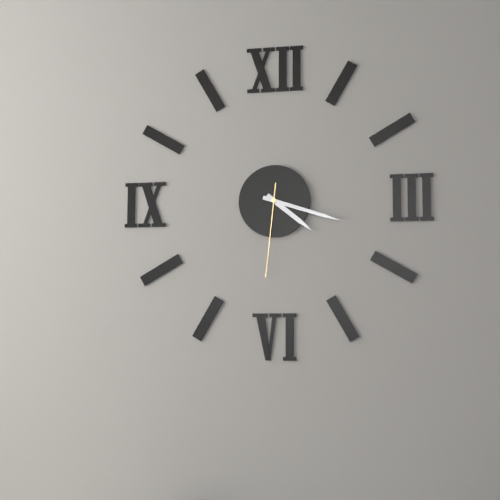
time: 4:18:31
